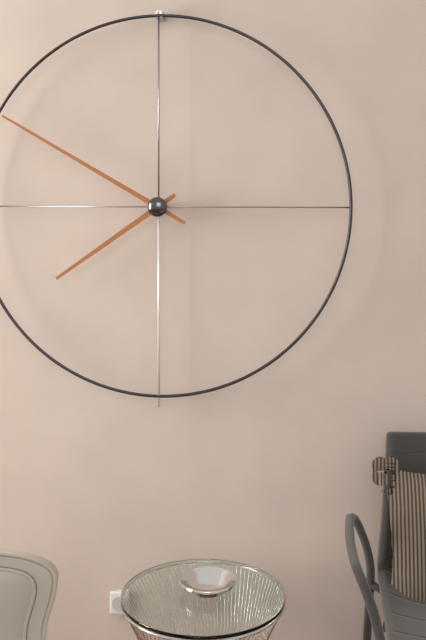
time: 7:50
